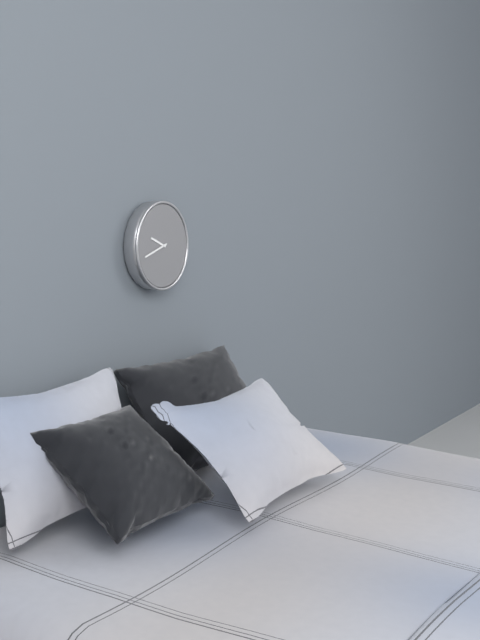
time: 9:42
